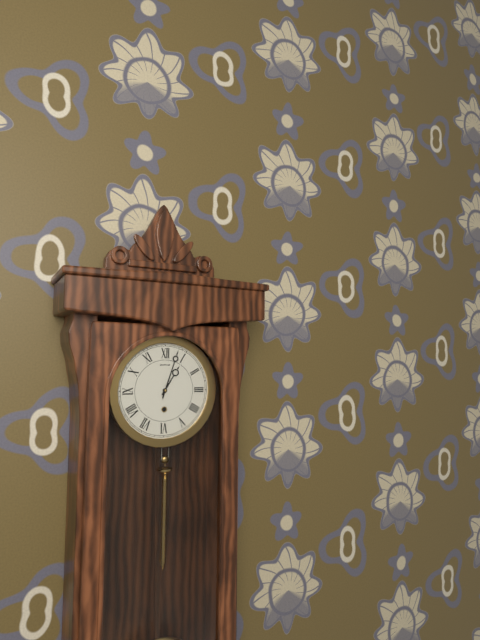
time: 1:03
